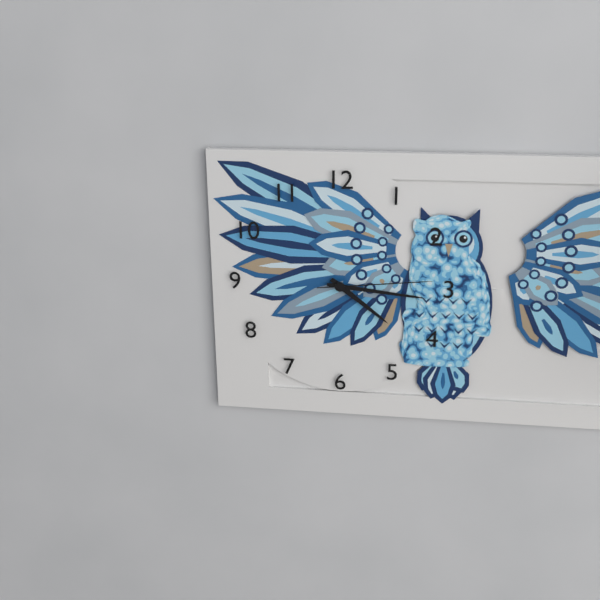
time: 4:16:14
